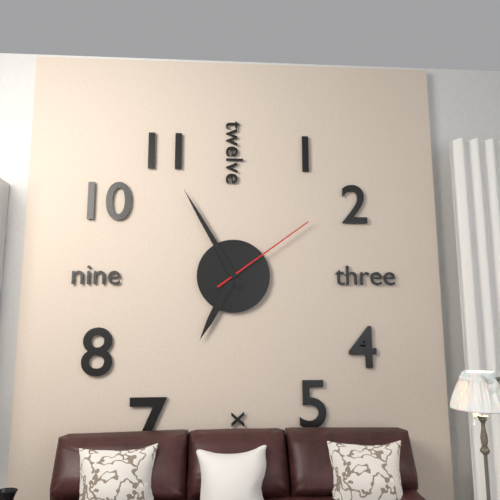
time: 6:55:09
